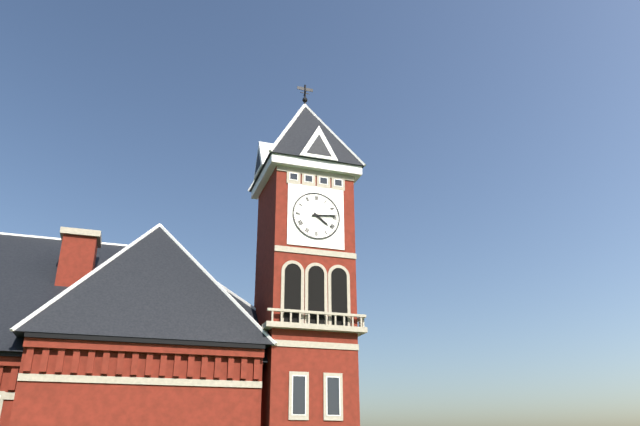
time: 4:14
